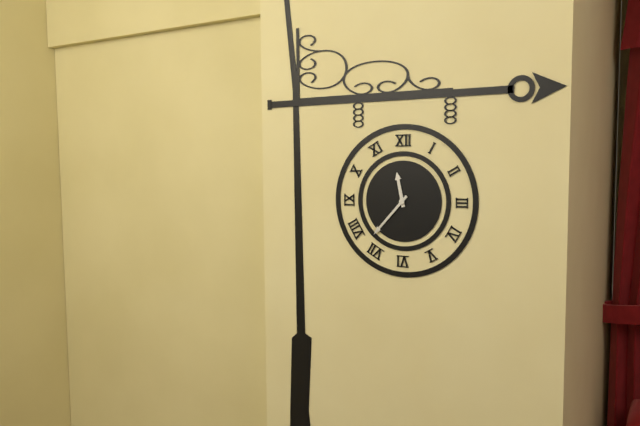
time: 11:37
